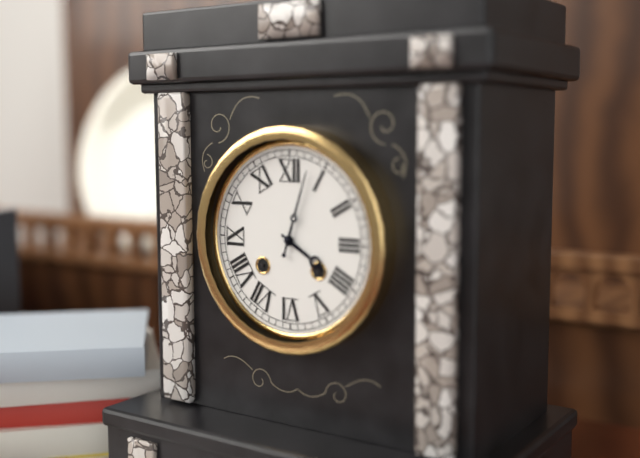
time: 4:03
